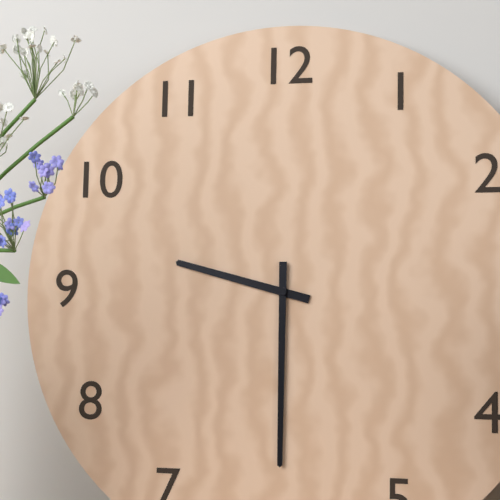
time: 9:30
